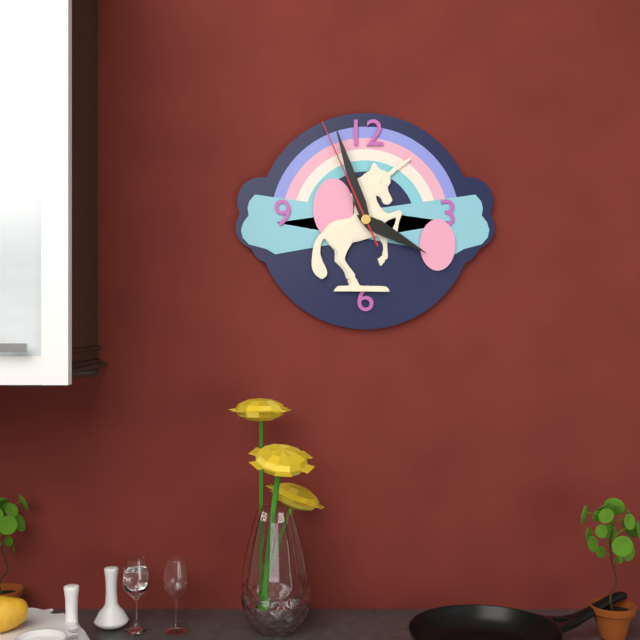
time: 3:57:56
